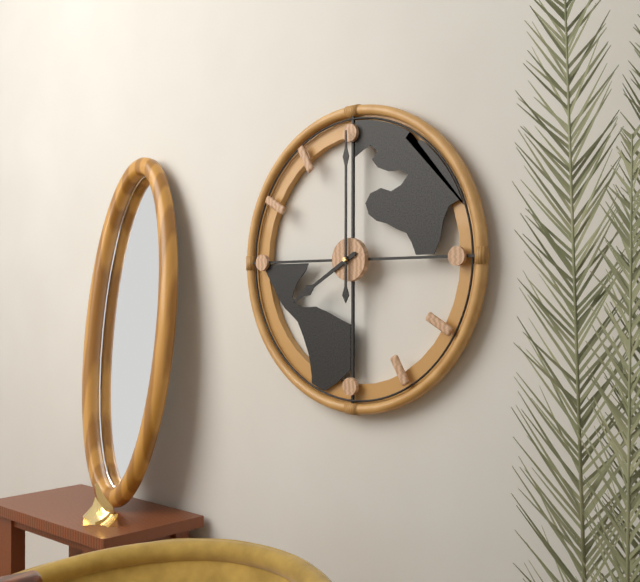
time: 8:00
